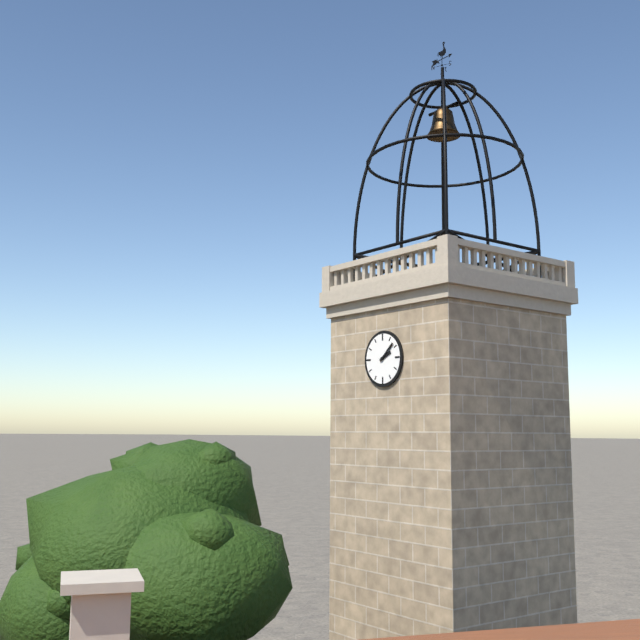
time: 2:08
